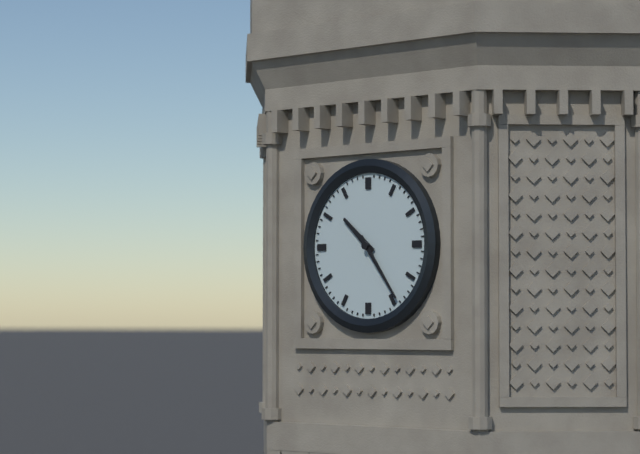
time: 10:24
